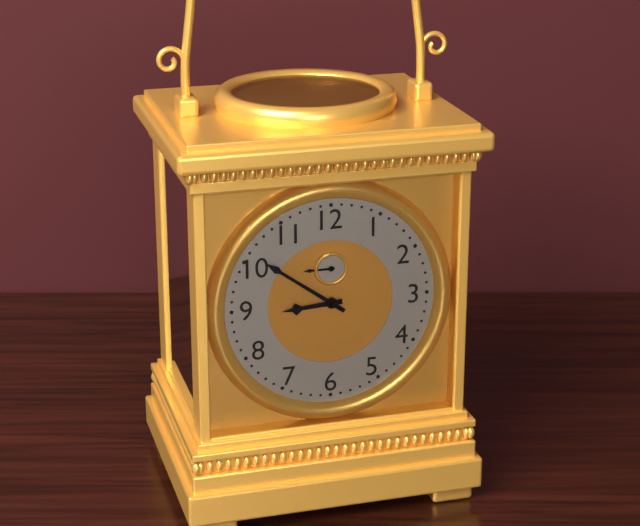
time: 8:51
